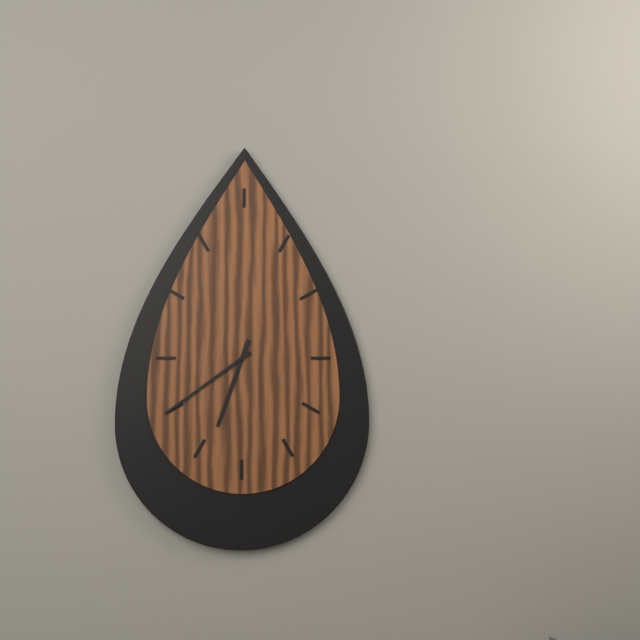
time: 6:39
